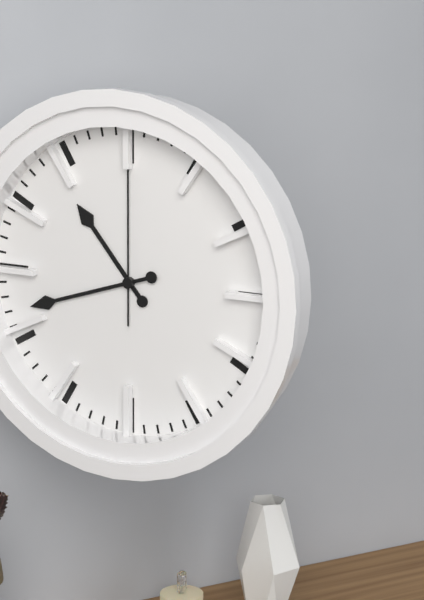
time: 10:42:00
